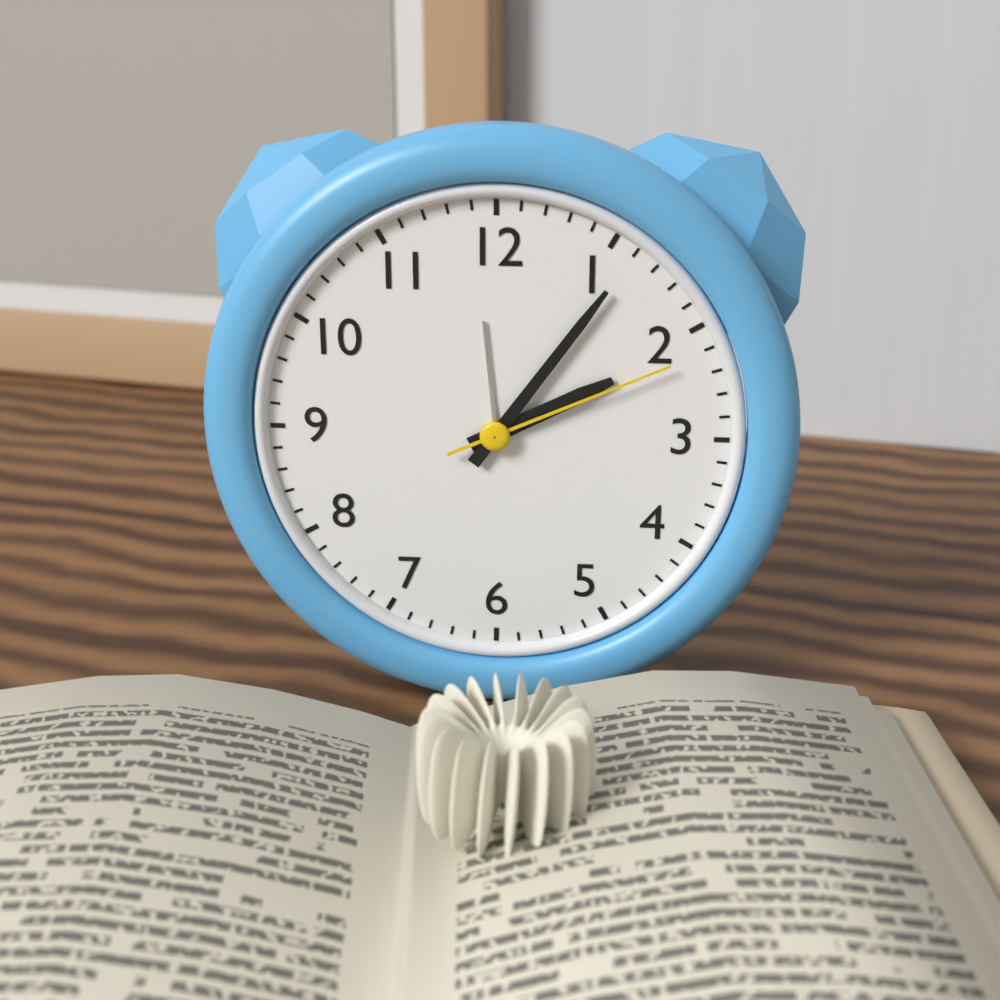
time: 2:06:11
